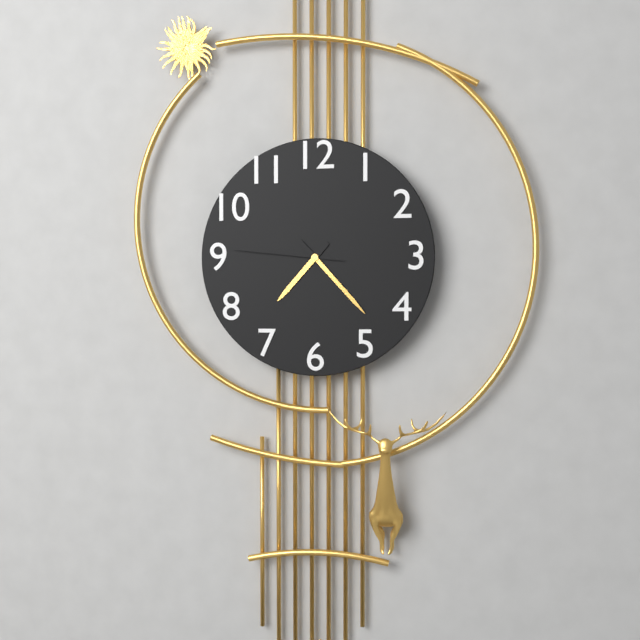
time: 7:23:46
